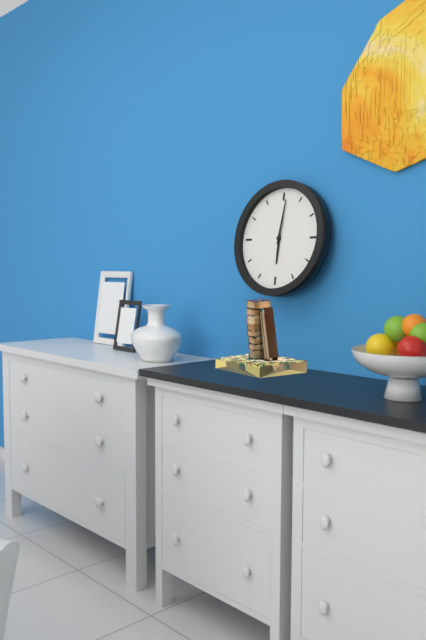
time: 6:01
